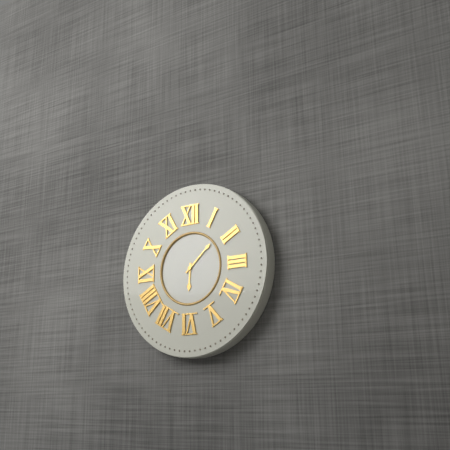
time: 6:08
